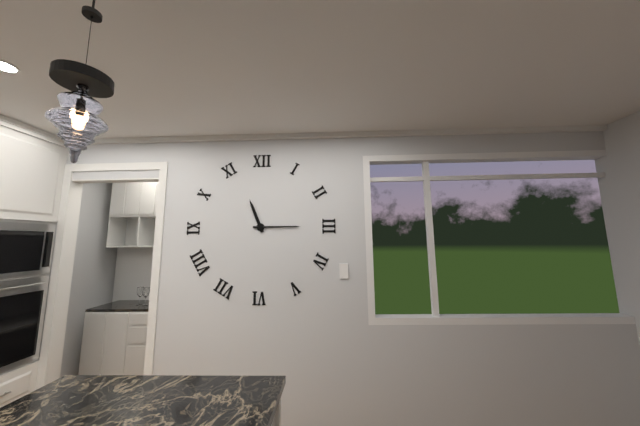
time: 11:15
